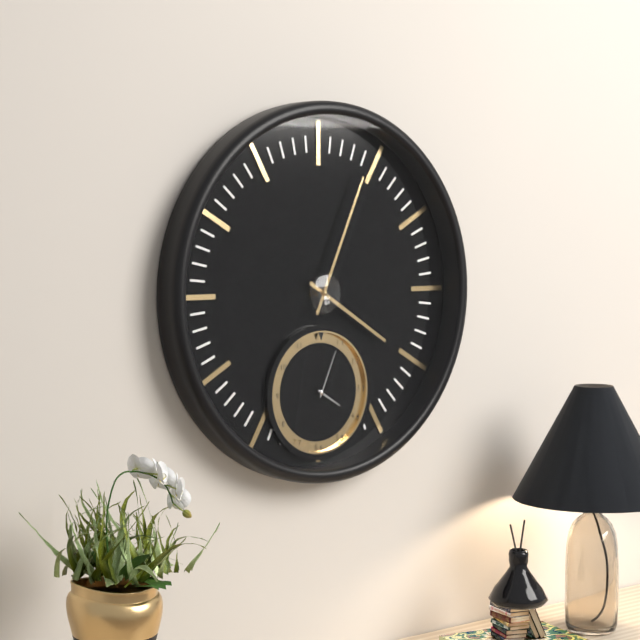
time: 4:04
